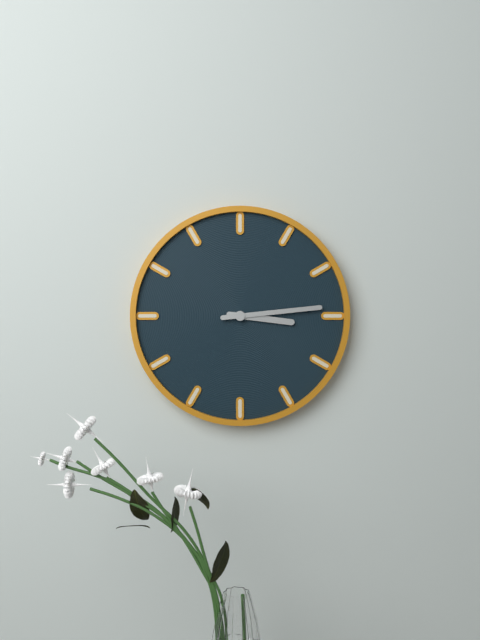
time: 3:14
